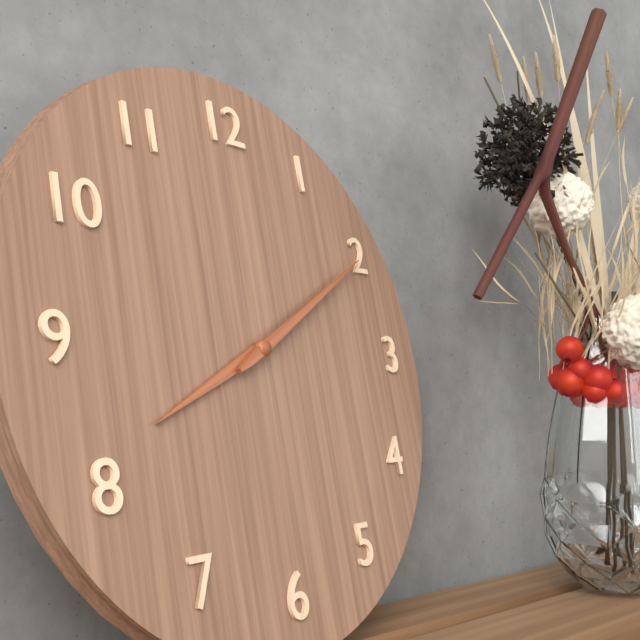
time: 8:10
